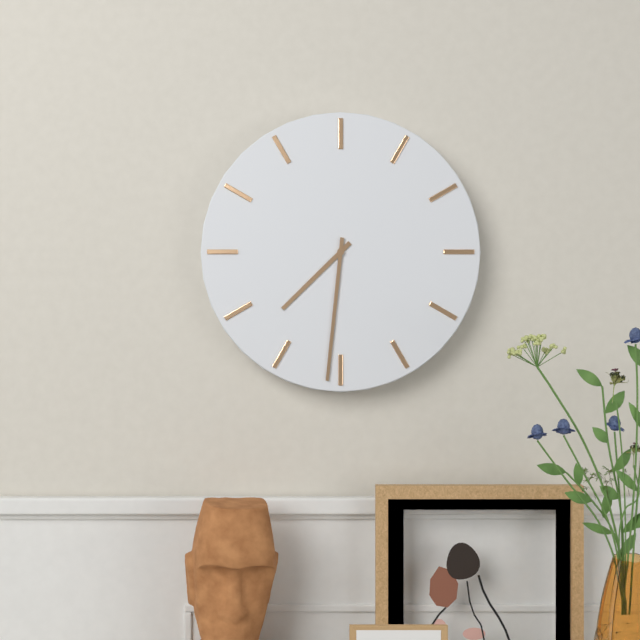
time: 7:31
